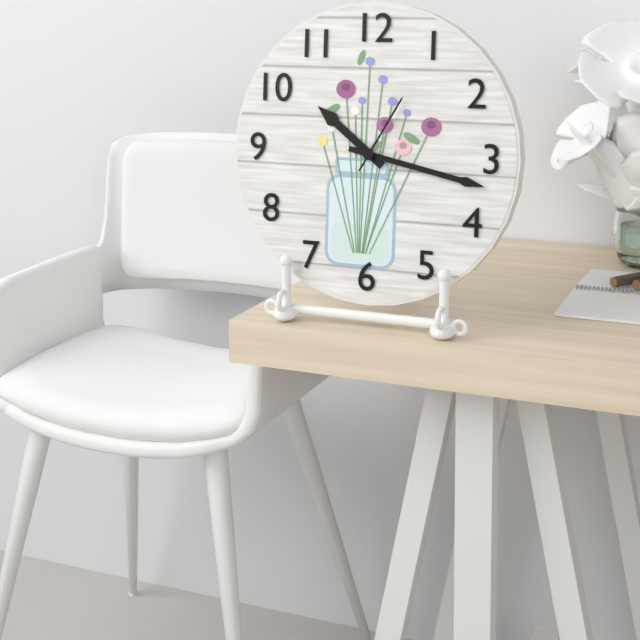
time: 10:17:05
